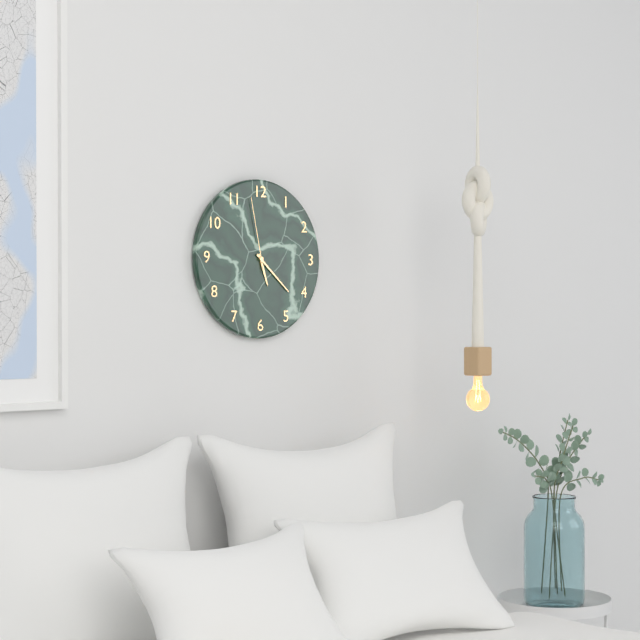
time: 5:22:58
